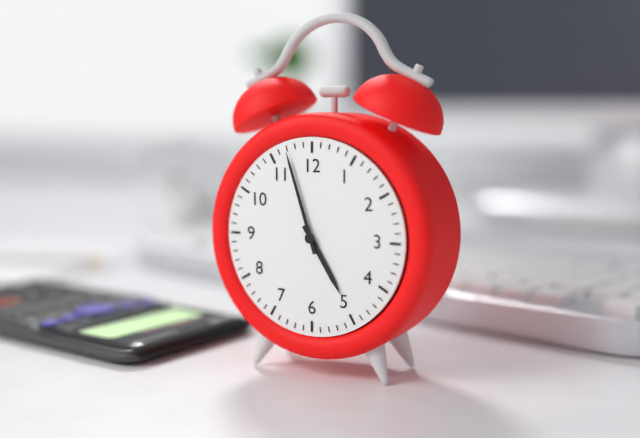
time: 4:57
